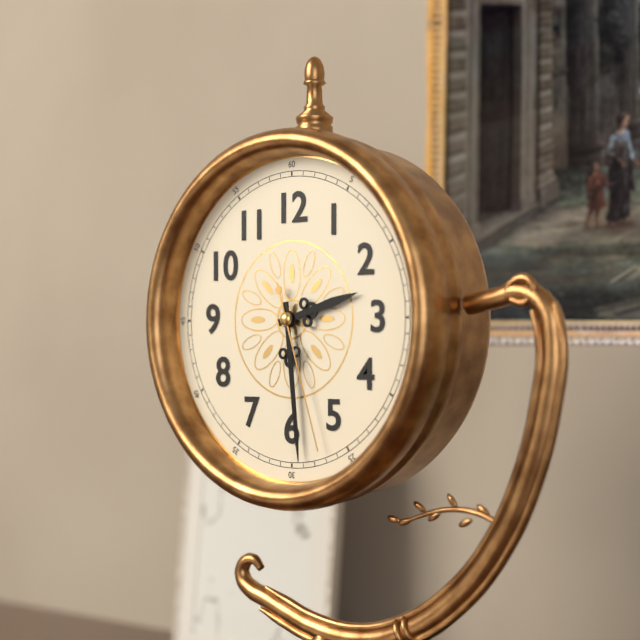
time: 2:29:27
